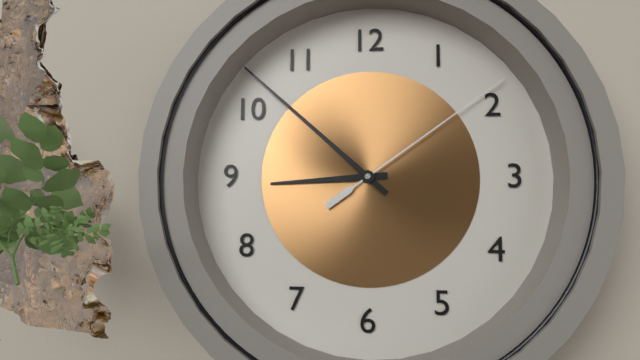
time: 8:52:09
